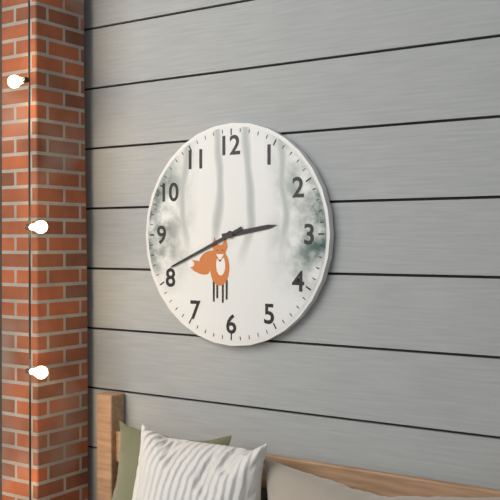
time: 2:41
